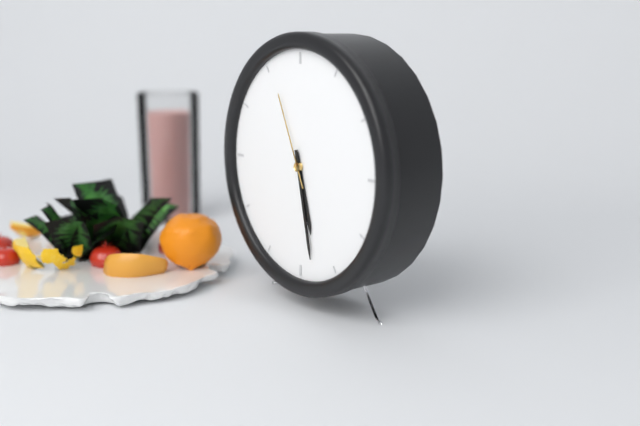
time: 5:28:56
